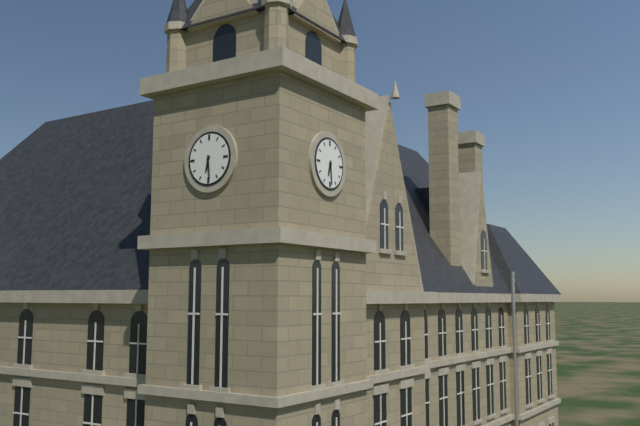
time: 6:29
